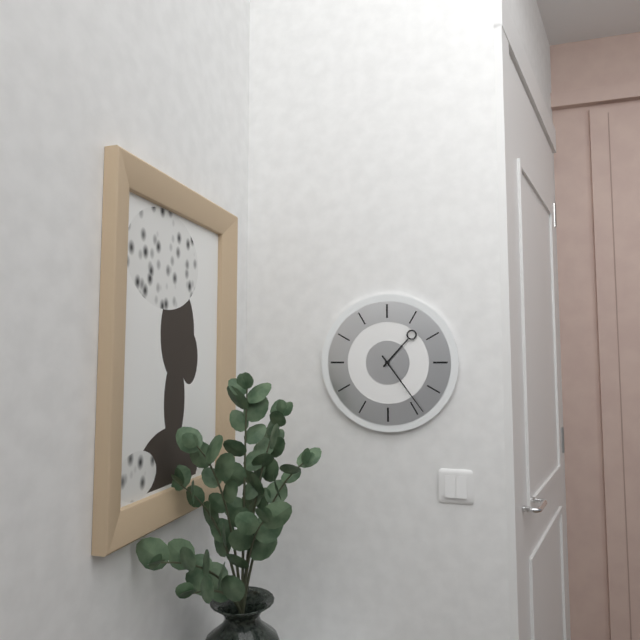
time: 1:24
